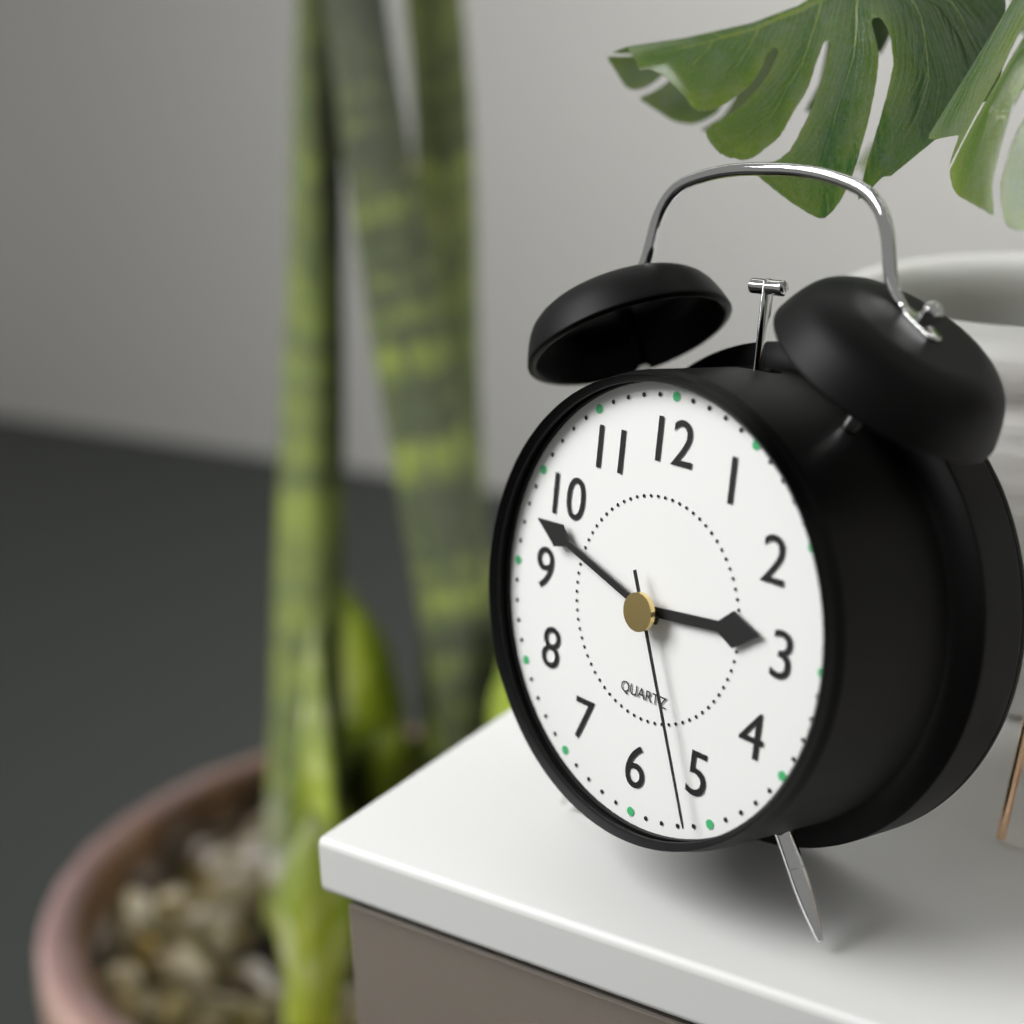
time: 2:48:26
